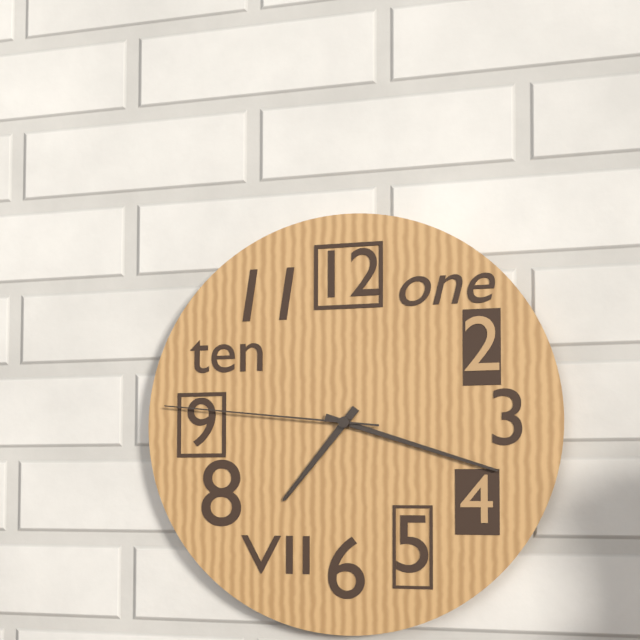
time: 7:18:46
